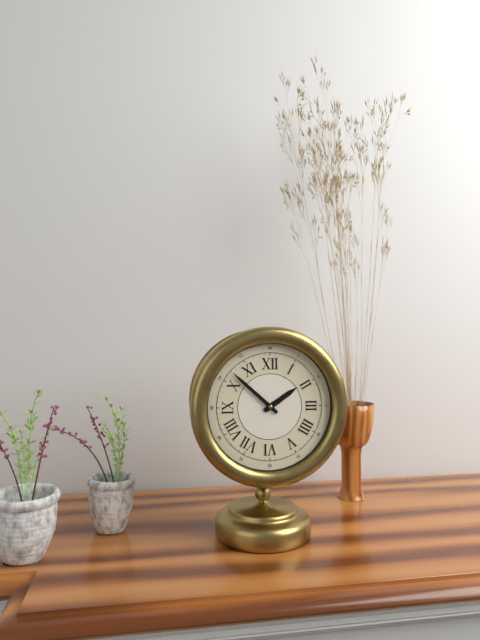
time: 1:52
